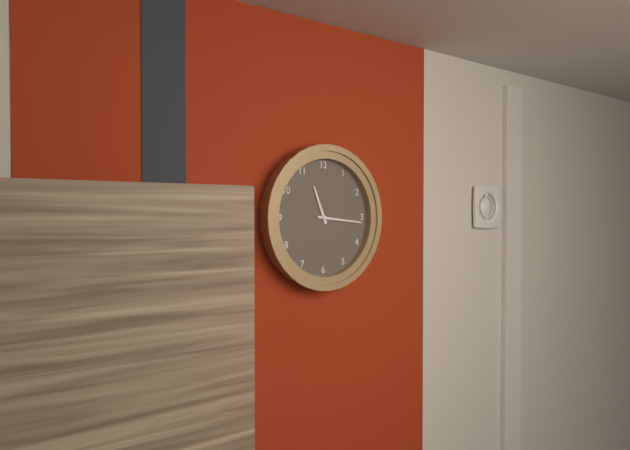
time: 11:16
